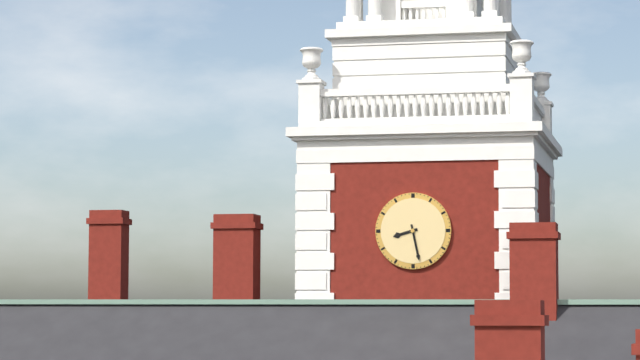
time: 8:28
